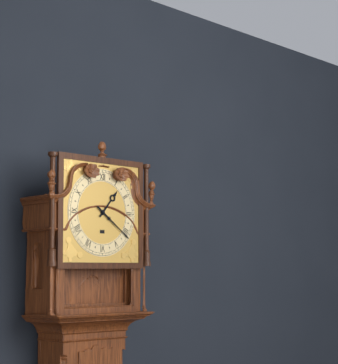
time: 1:21
